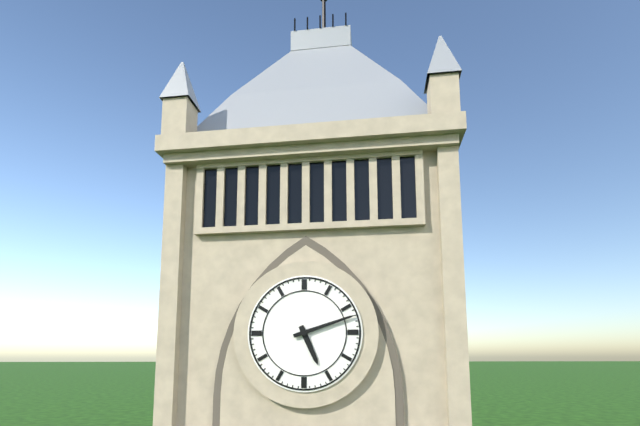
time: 5:12
